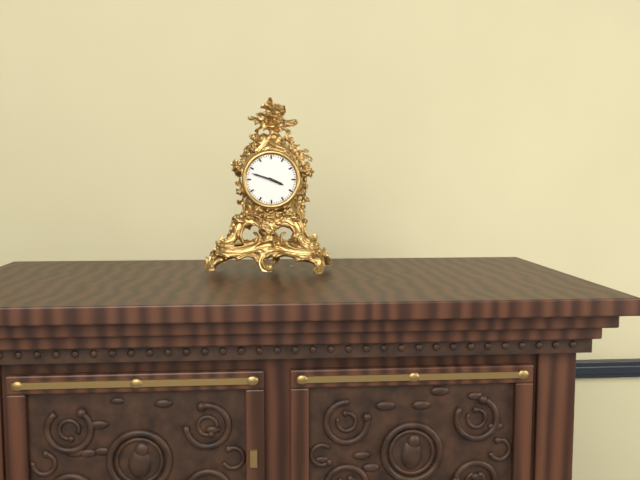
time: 3:48
